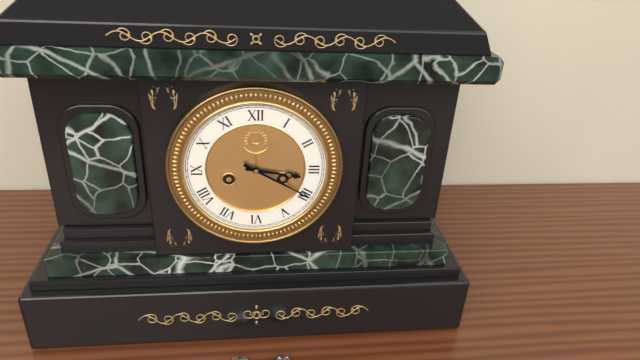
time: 3:20
